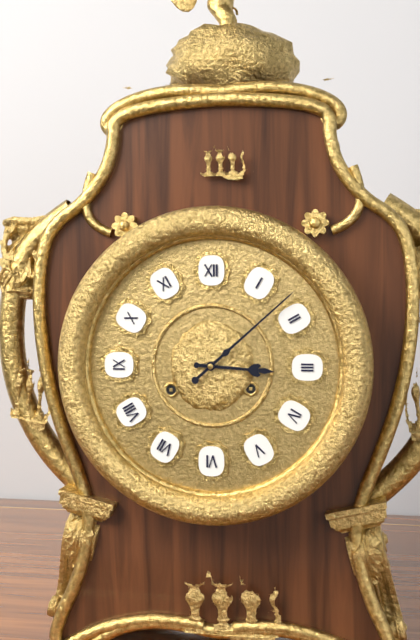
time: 3:08
